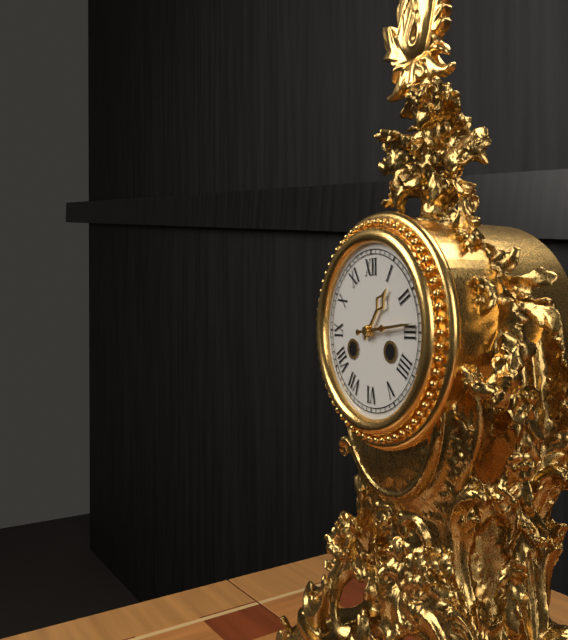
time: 1:14
